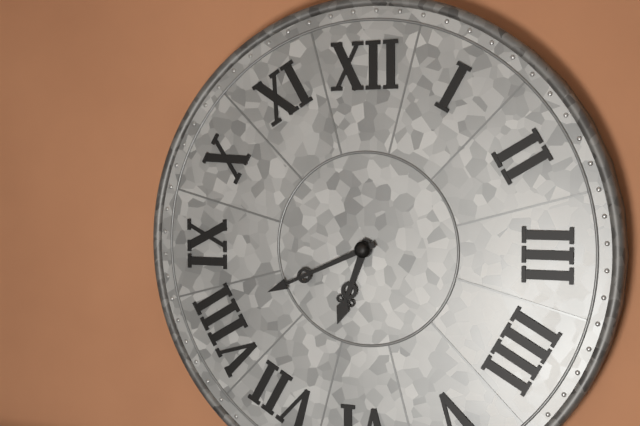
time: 6:41
